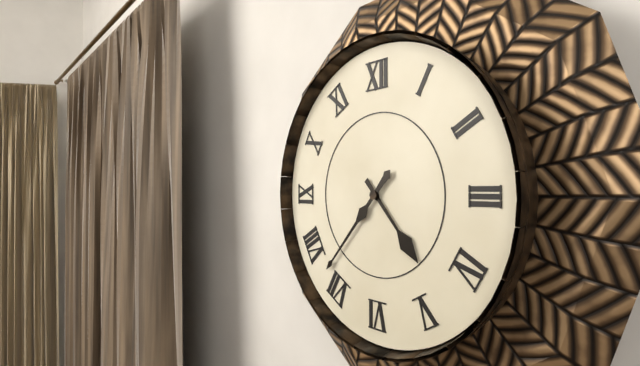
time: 4:37
